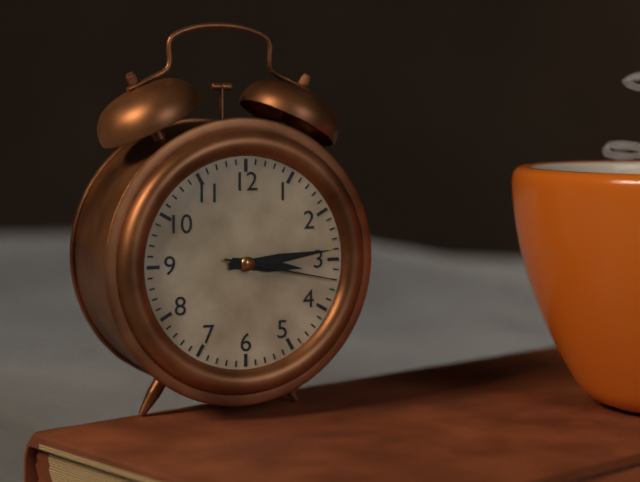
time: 3:14:17
